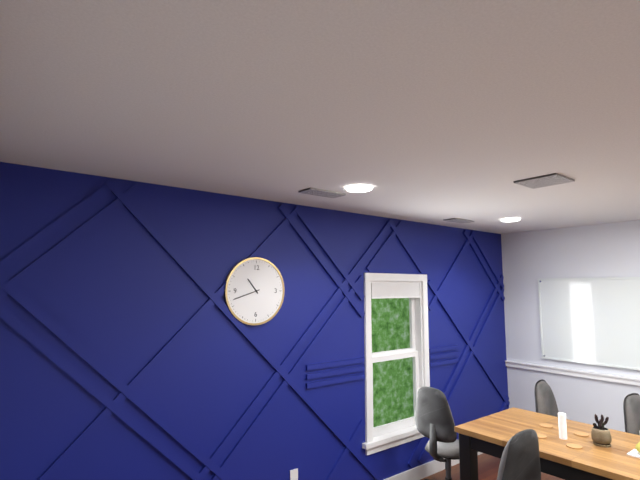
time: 10:42
